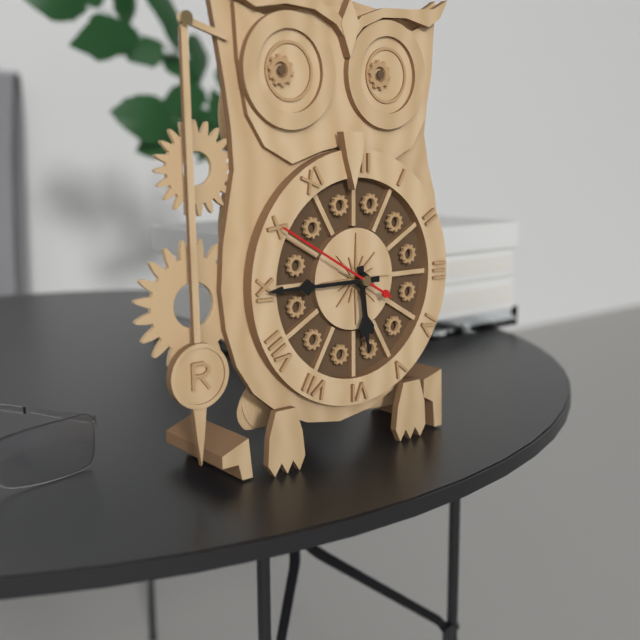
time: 5:45:50
